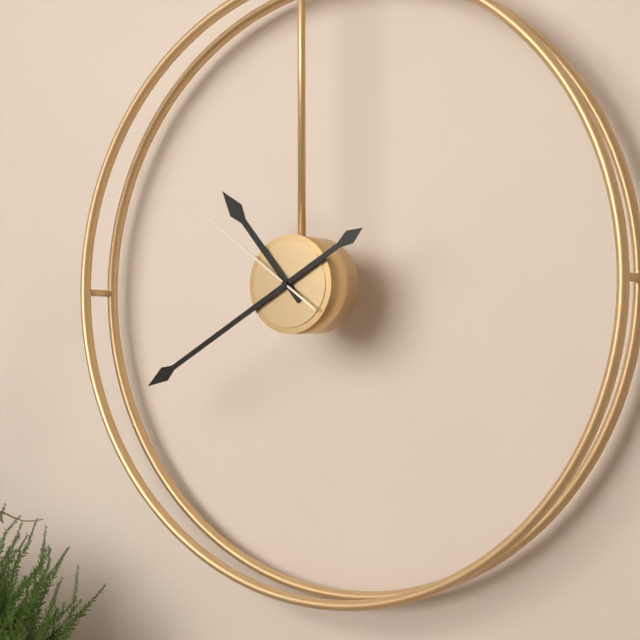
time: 10:40:51
